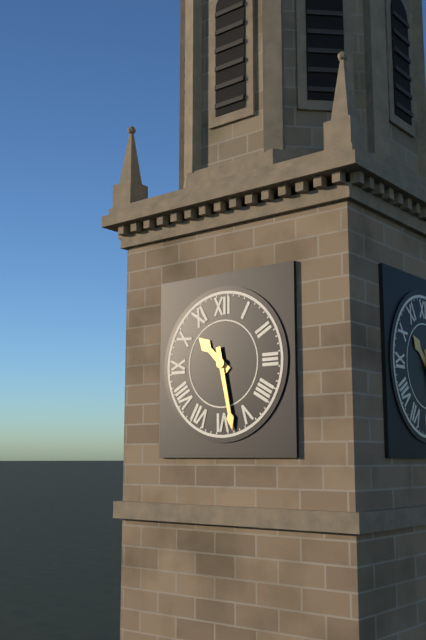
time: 10:28
